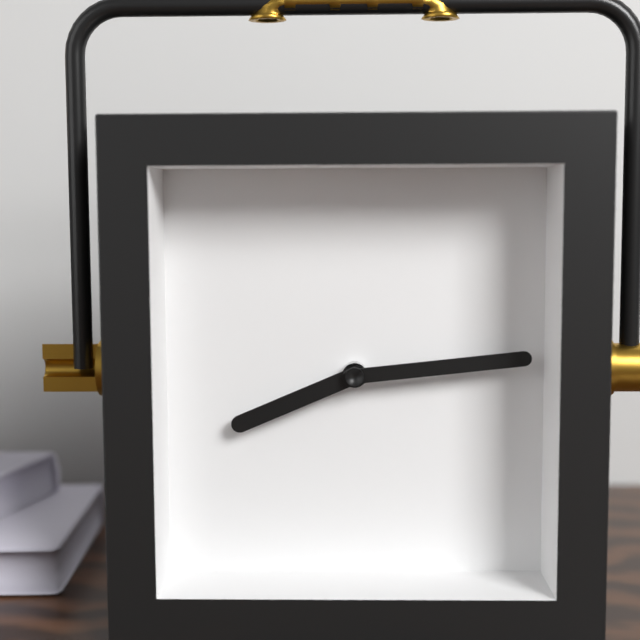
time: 8:14
